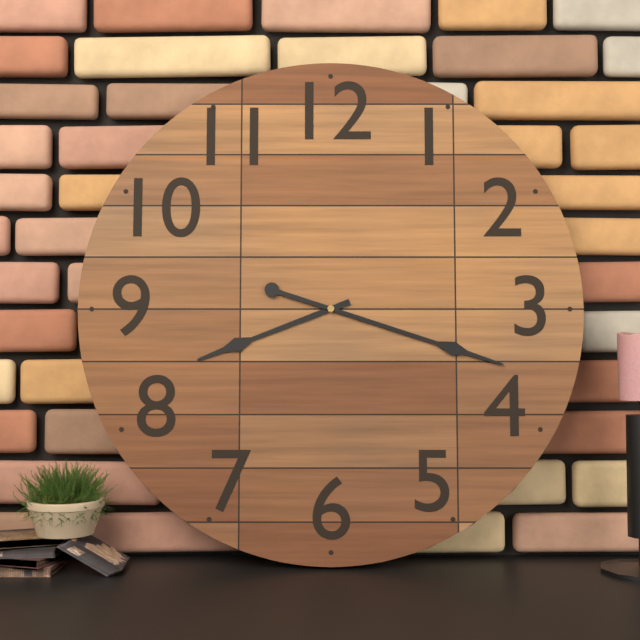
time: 8:18
